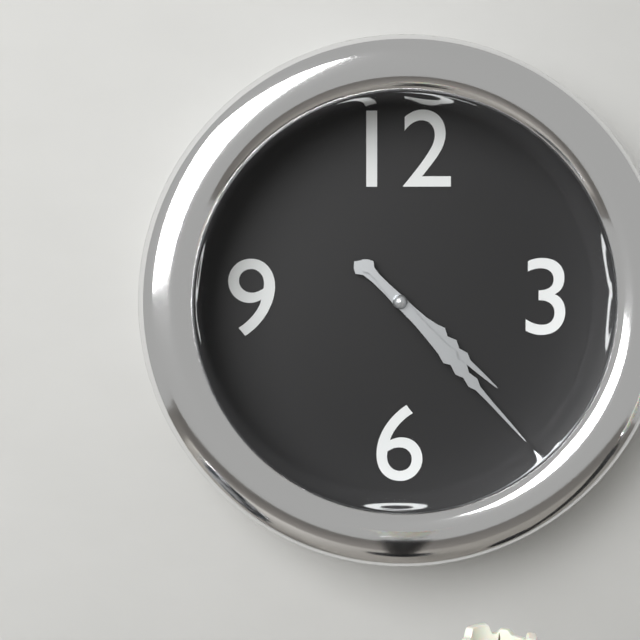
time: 4:23
